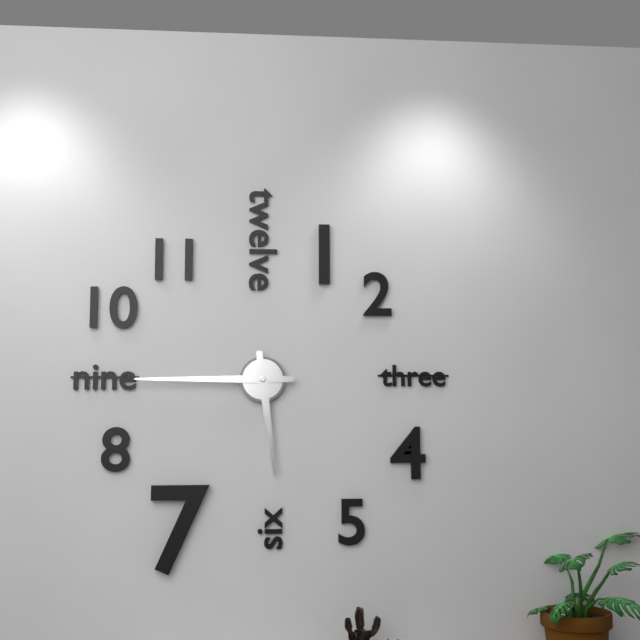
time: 5:45
